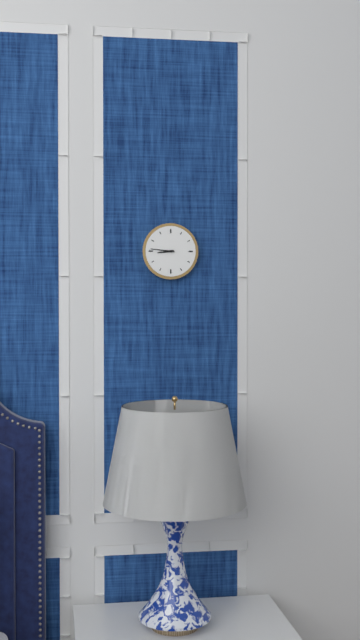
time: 8:46
